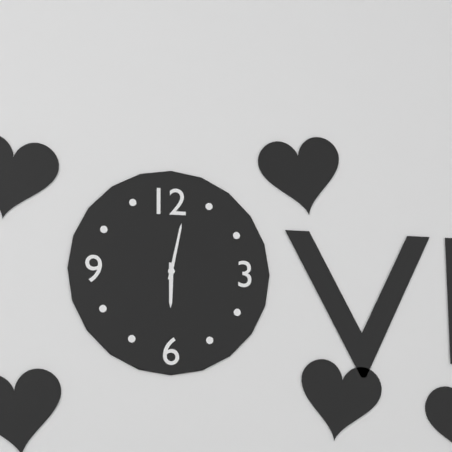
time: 6:02
